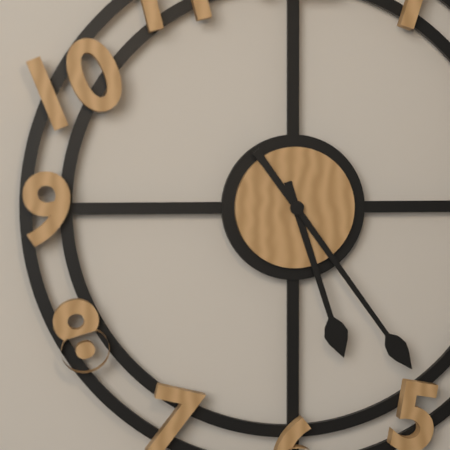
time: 5:24
